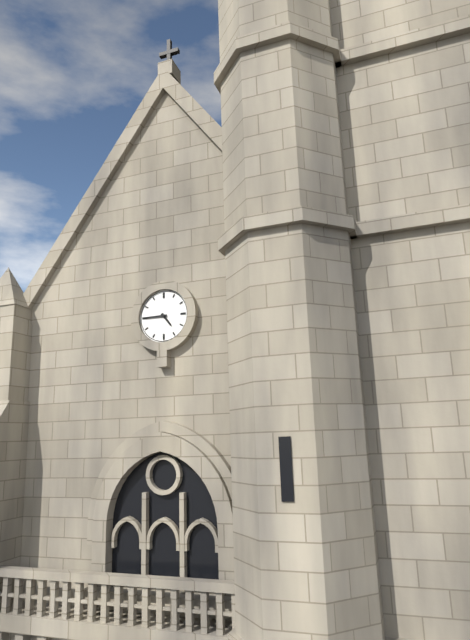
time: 4:45
